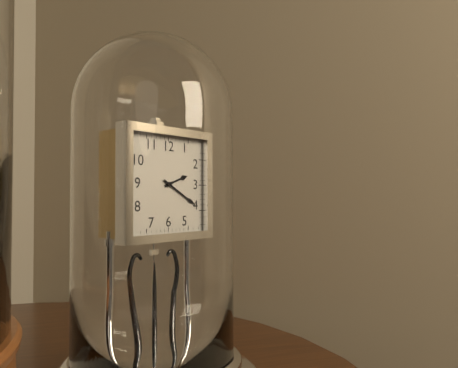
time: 2:20
